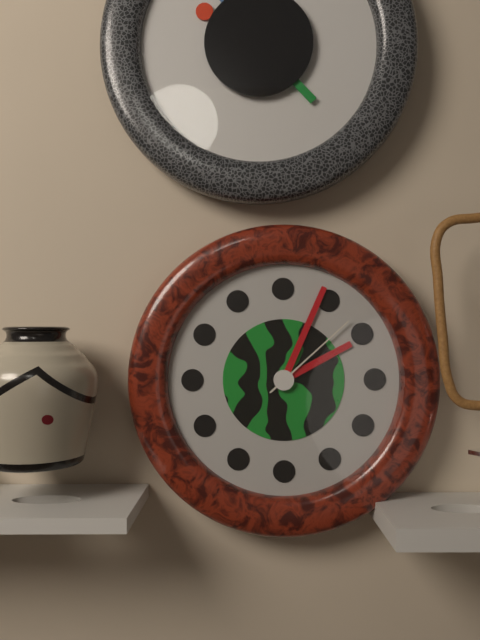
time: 2:04:08
